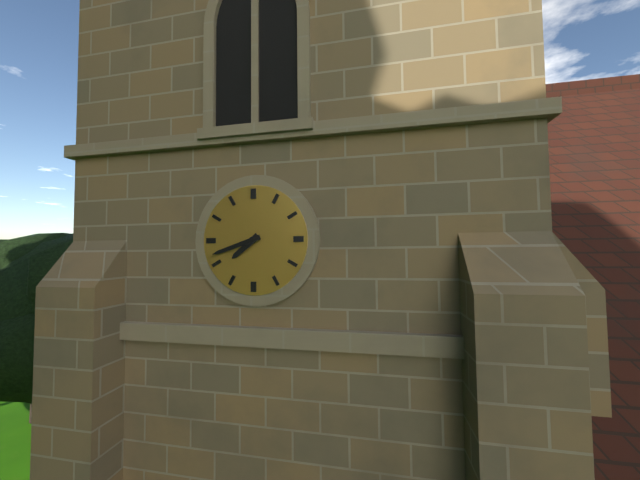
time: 7:42
